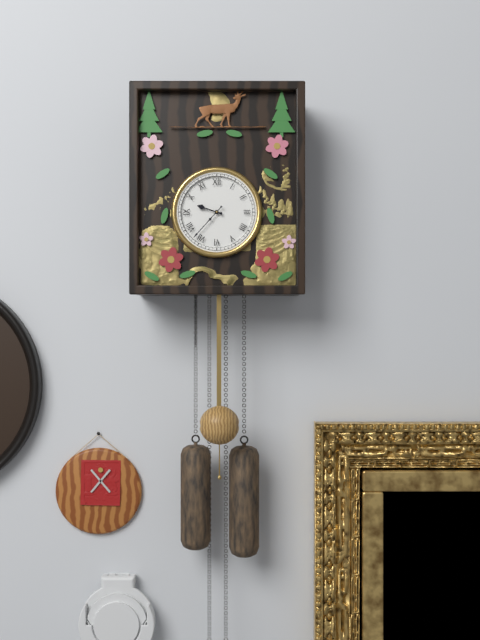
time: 9:37
